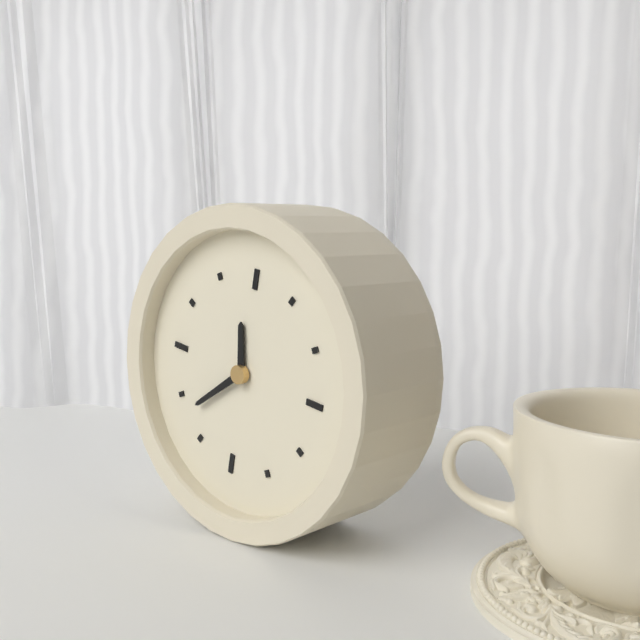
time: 11:38
